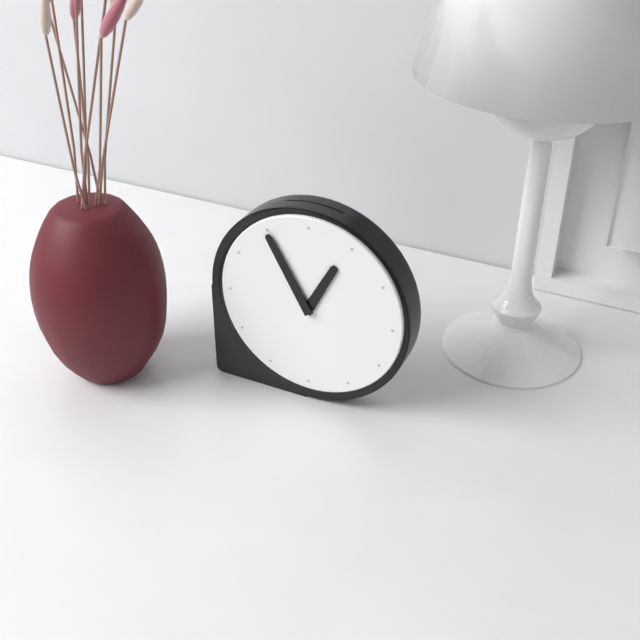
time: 12:55
